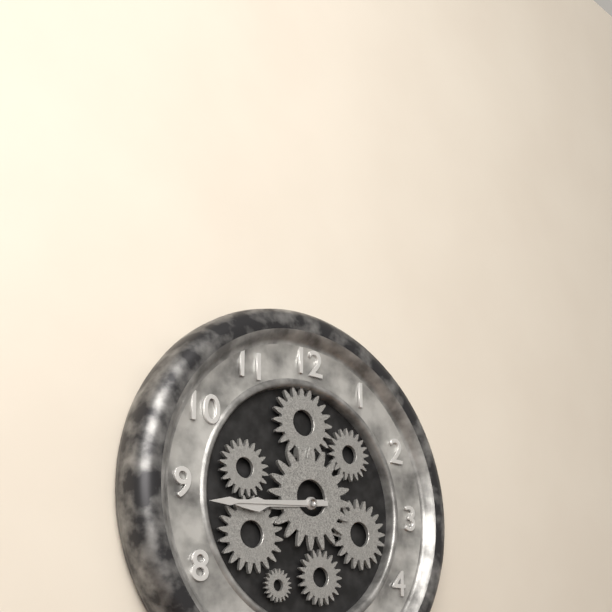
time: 8:44
